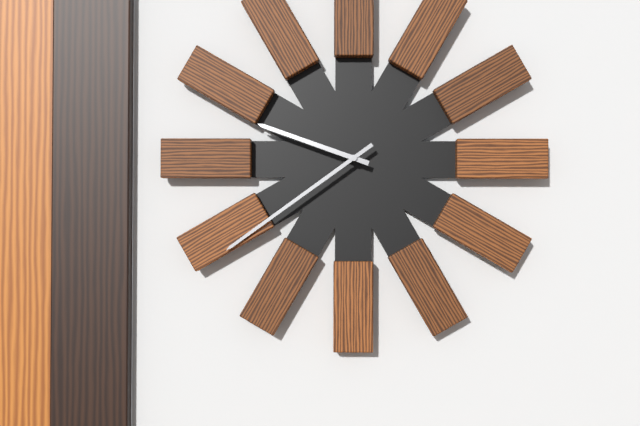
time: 9:39
